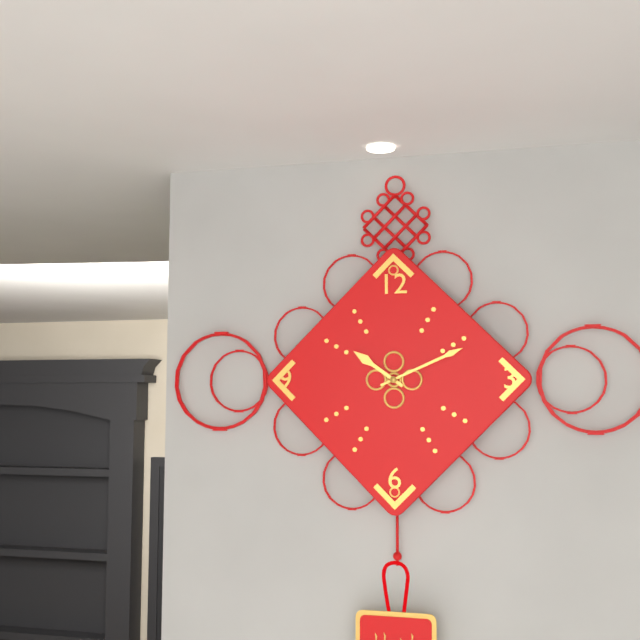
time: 10:11
